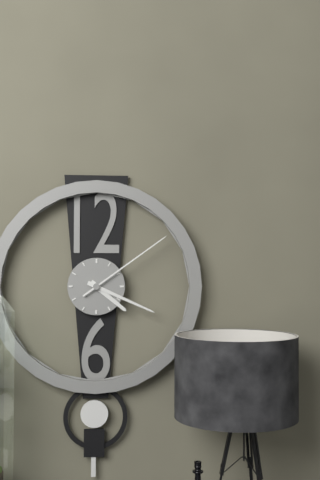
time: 4:19:09
